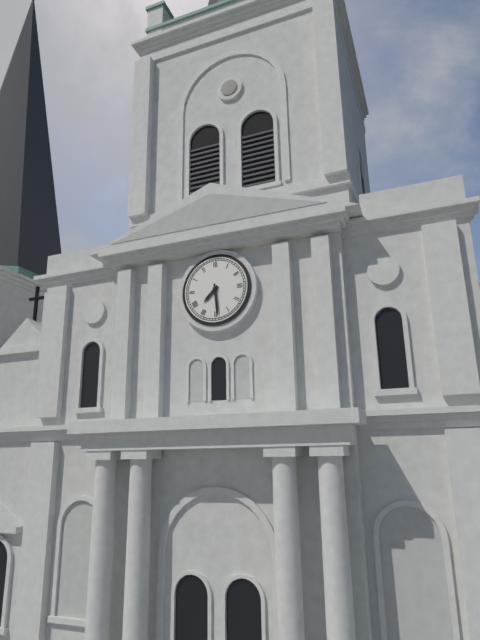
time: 7:29
